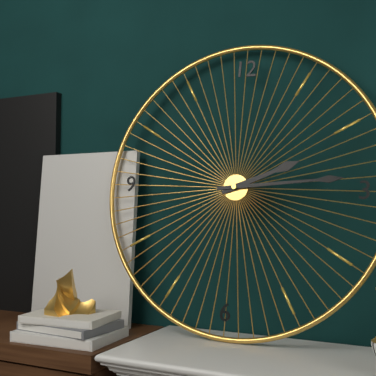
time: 2:14
